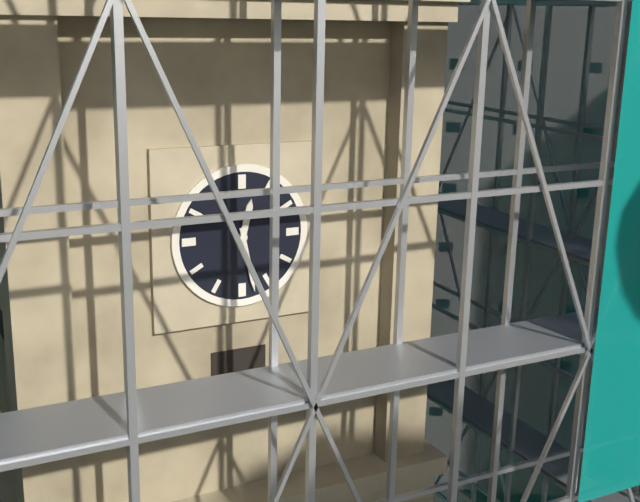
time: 12:28
